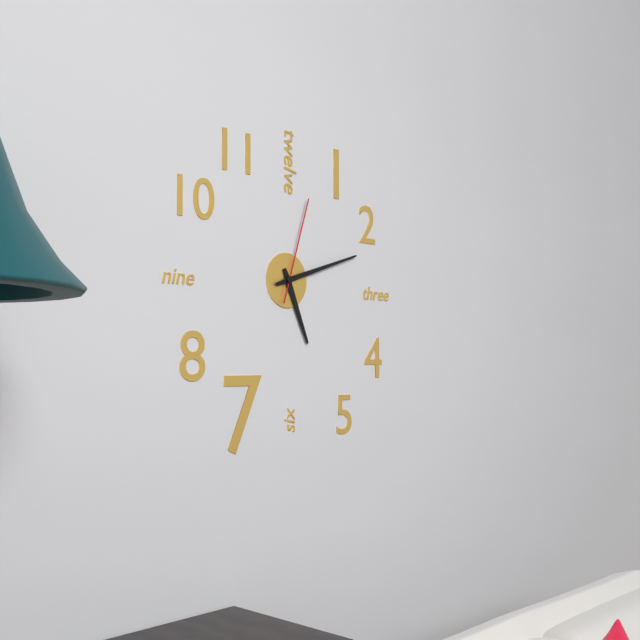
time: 5:12:03
